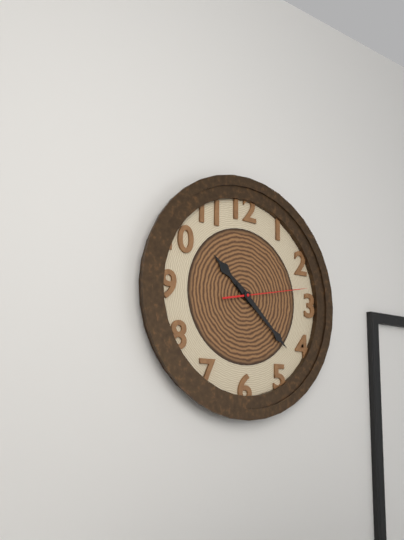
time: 10:22:13
